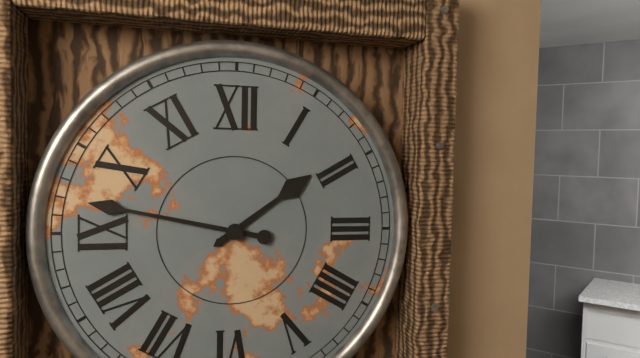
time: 1:47
